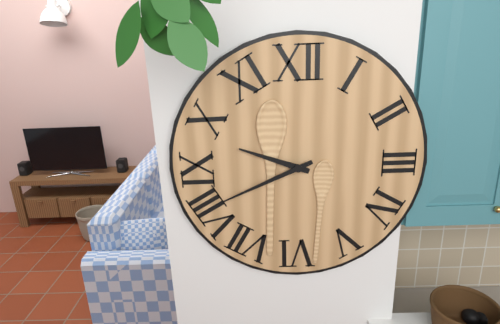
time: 9:41
